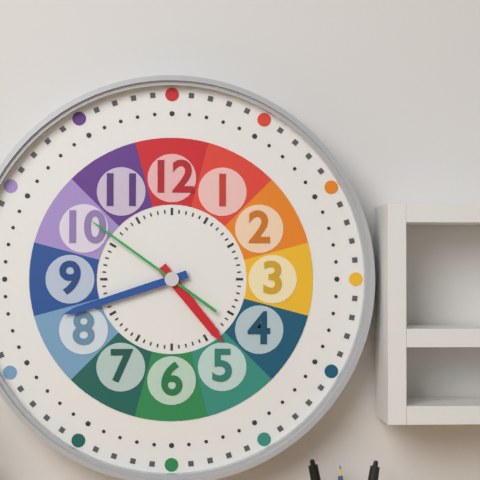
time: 4:42:51
